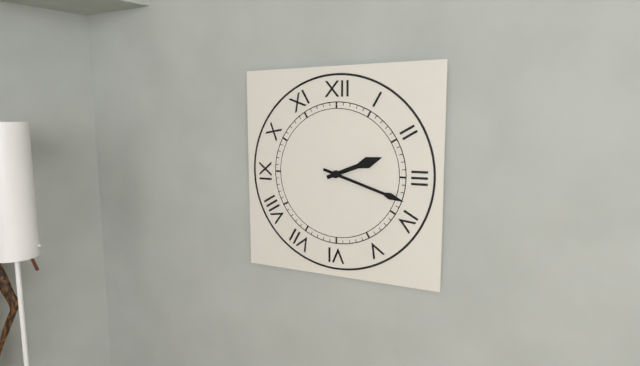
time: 2:18
